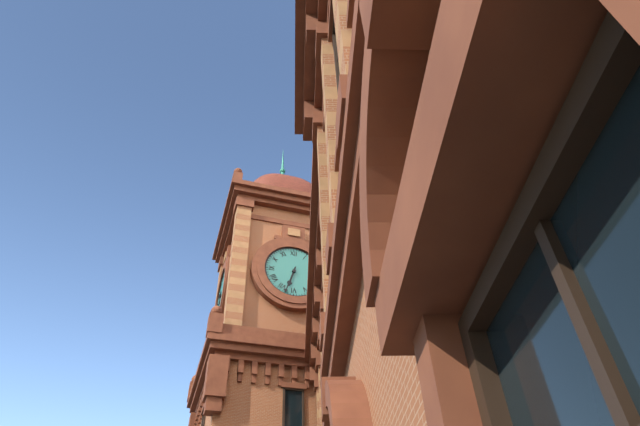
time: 6:33
